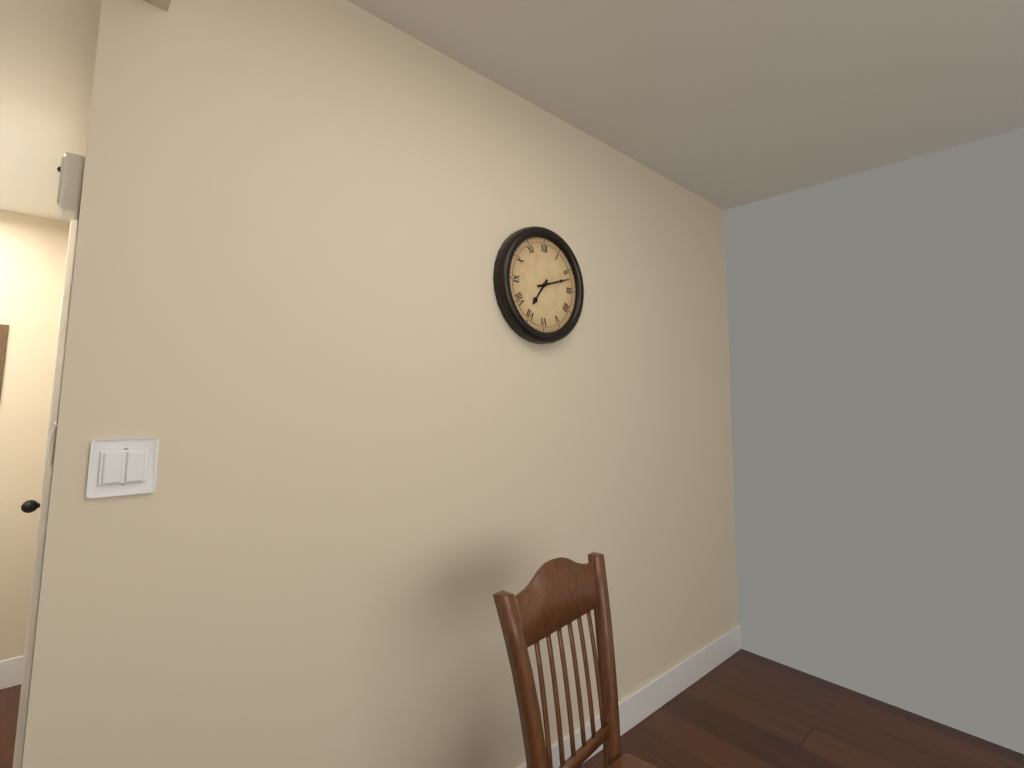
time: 7:12
